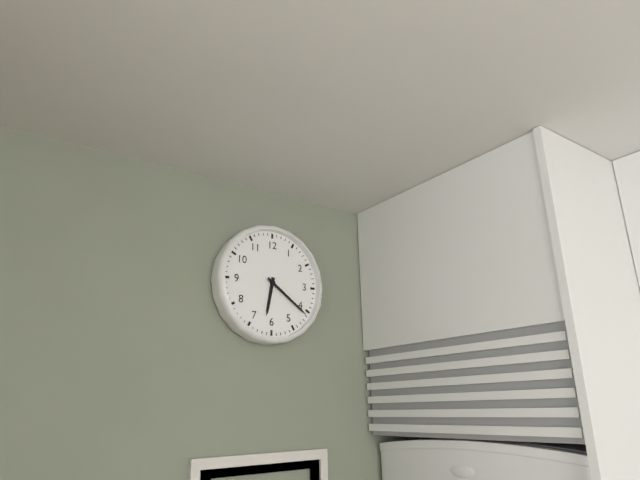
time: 6:21
